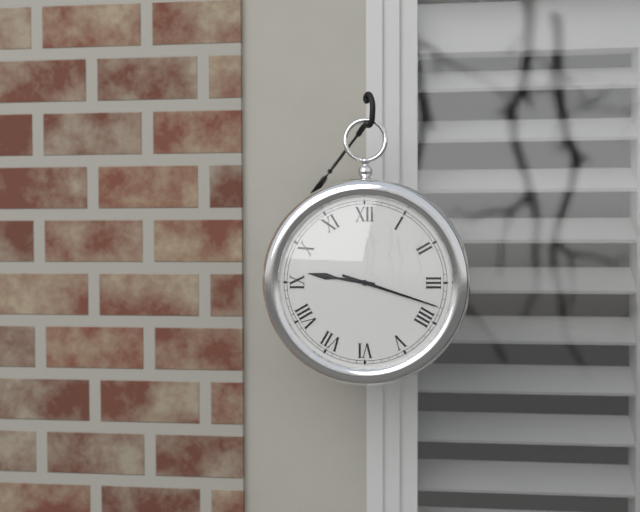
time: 9:18
